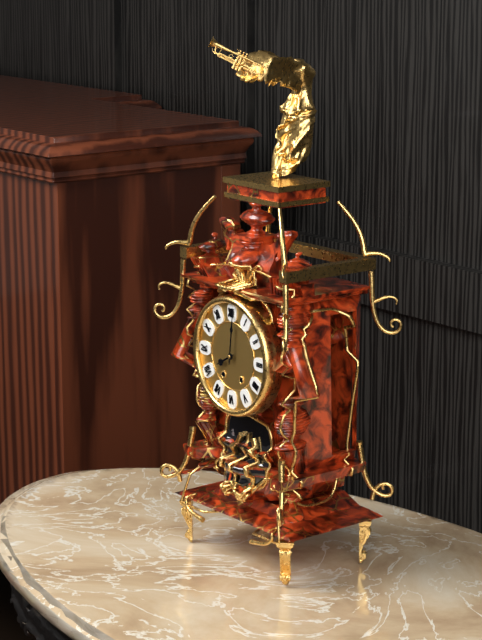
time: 8:01
